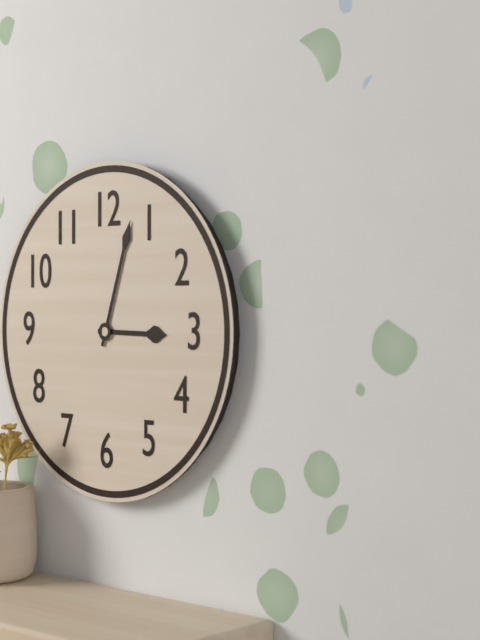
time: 3:03
